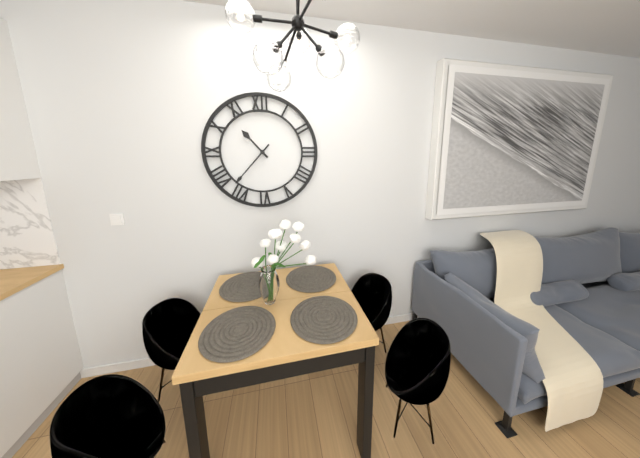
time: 10:37
